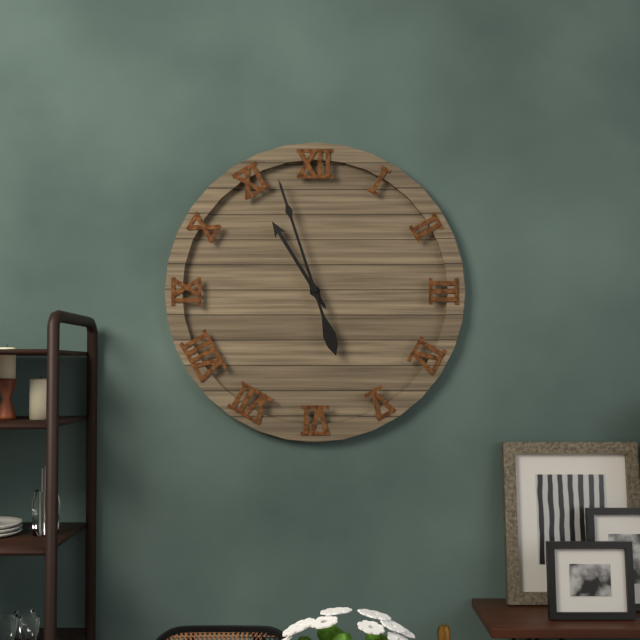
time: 10:57
